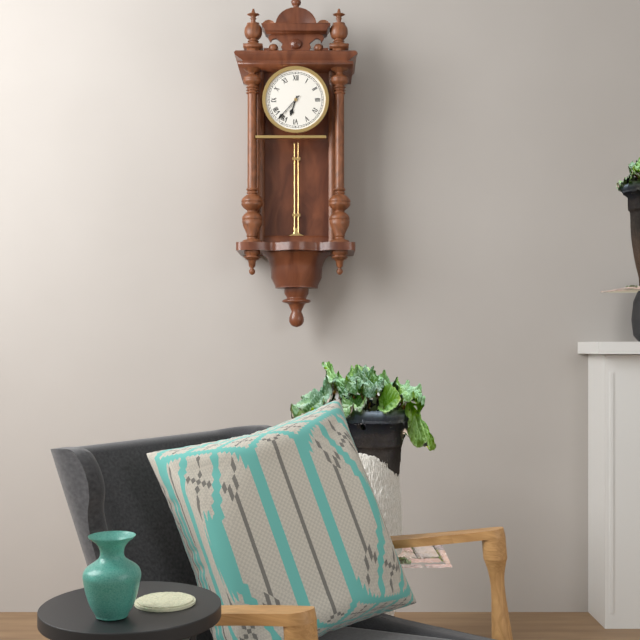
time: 6:37
